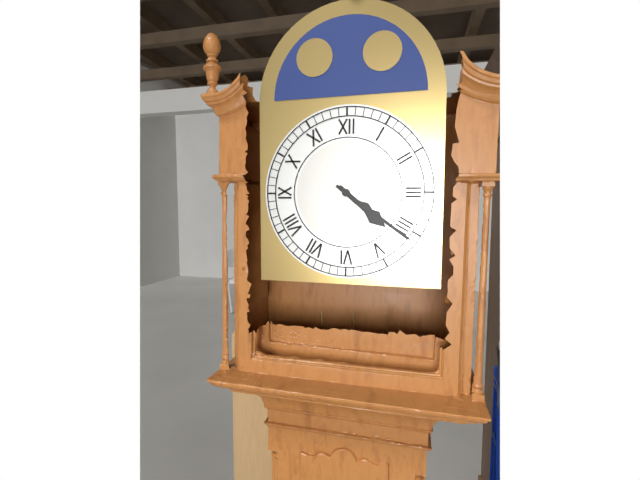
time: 4:21
